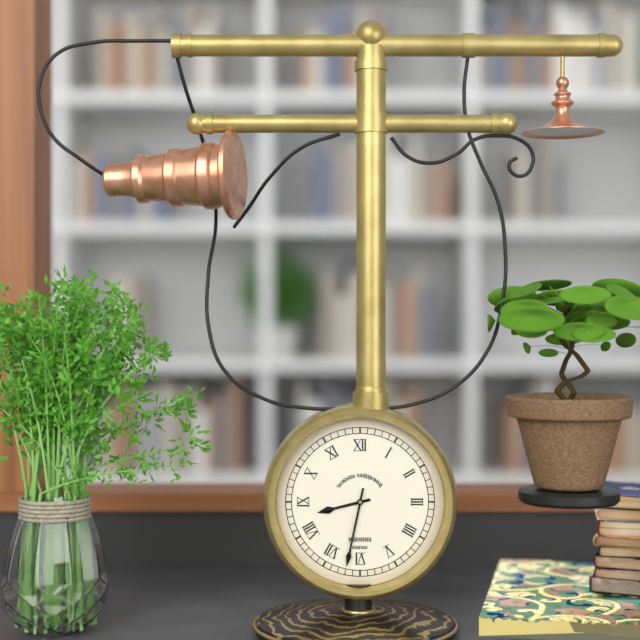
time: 8:32
